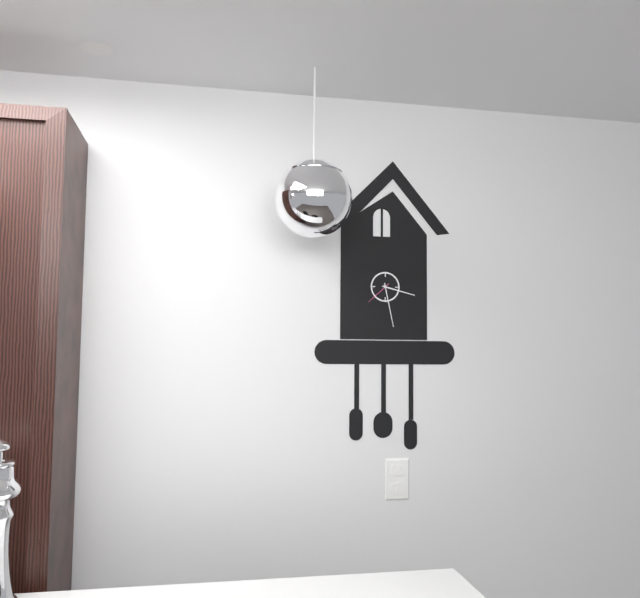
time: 3:28
